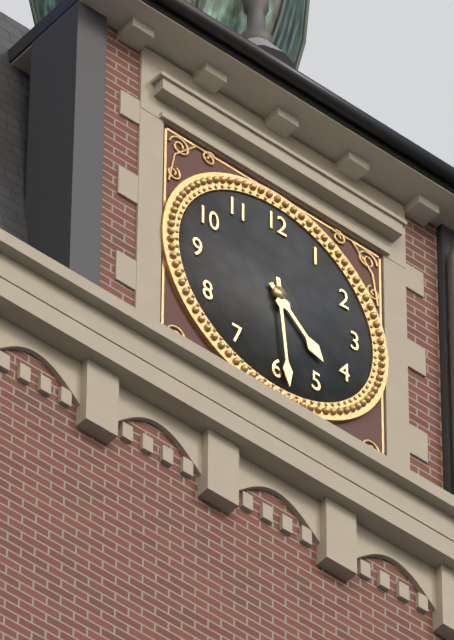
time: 4:29
